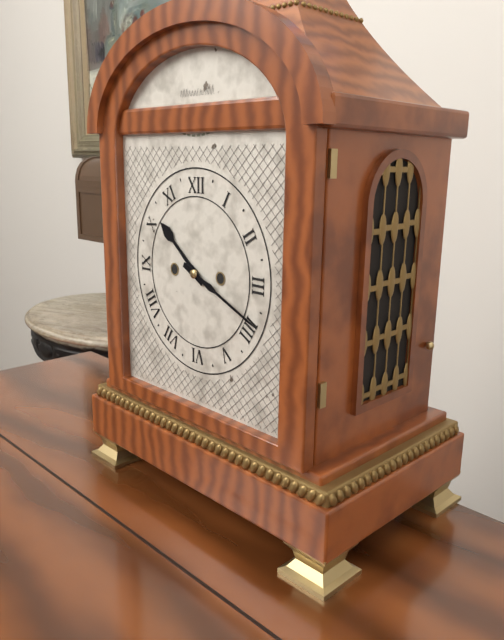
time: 10:19
